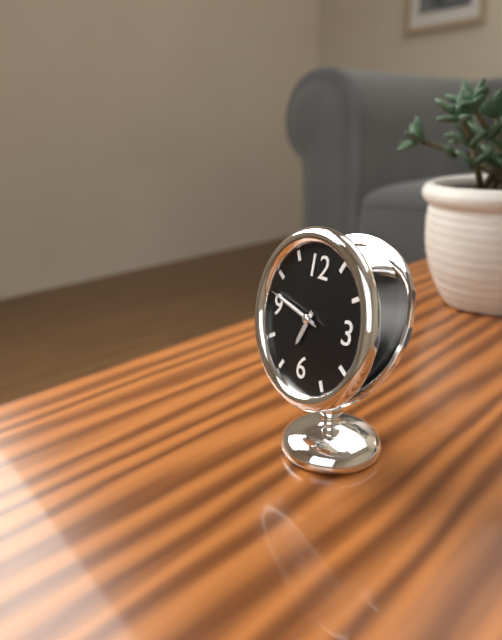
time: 6:47:47
